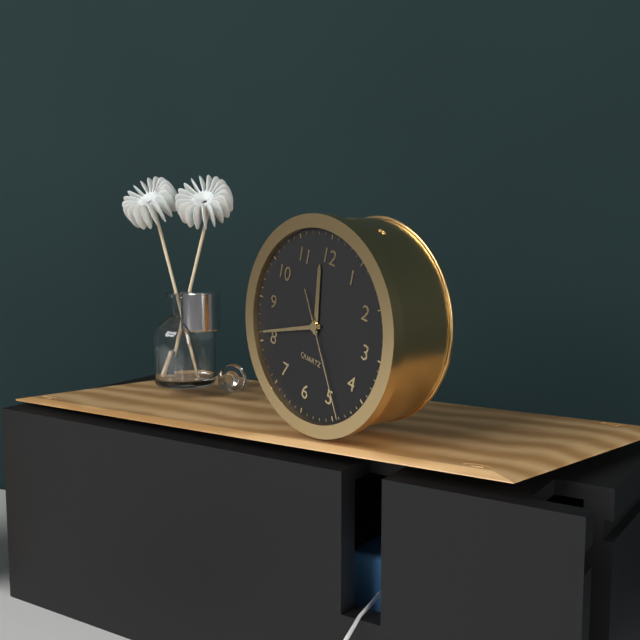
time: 11:41:24
